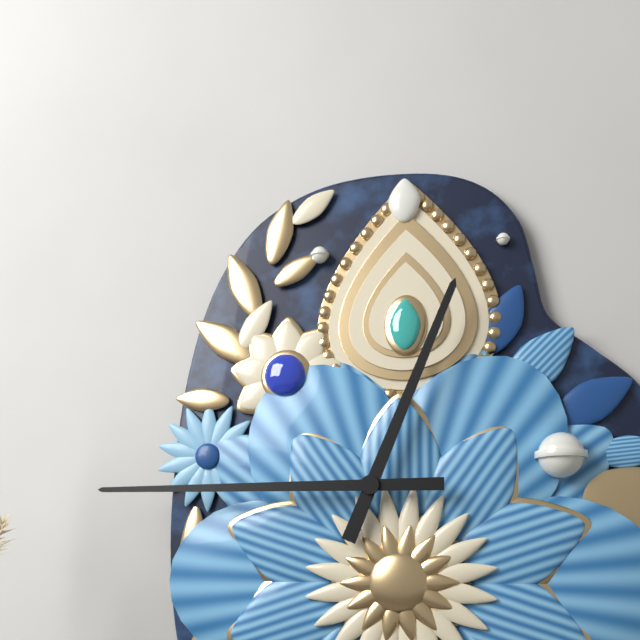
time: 12:45
